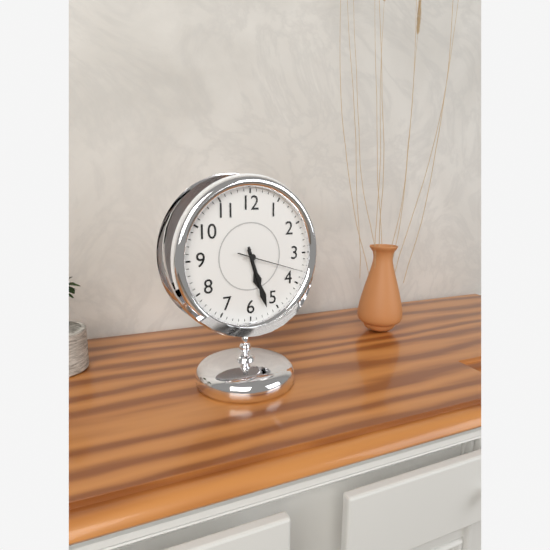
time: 5:27:18
